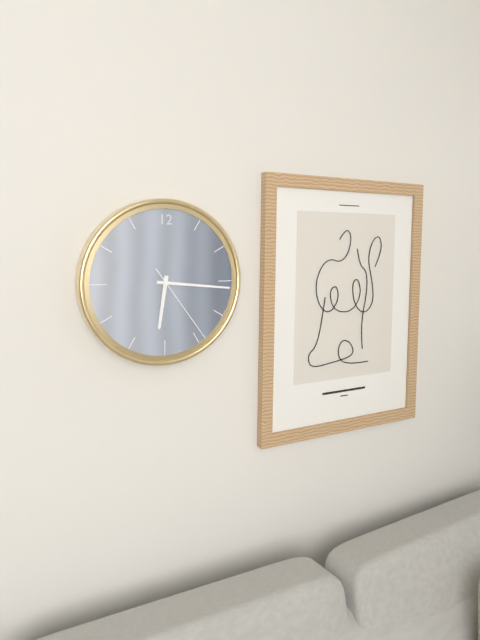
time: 6:16:24
